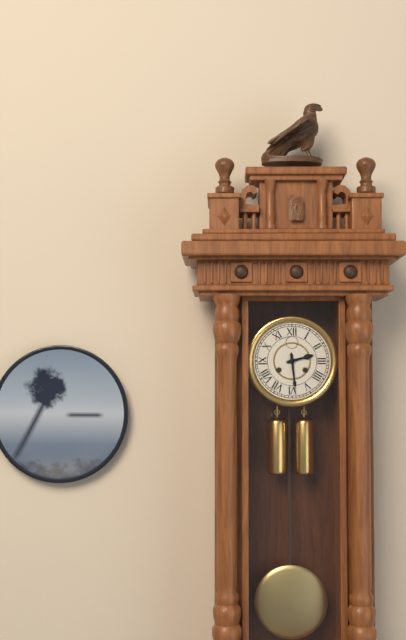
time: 2:29
